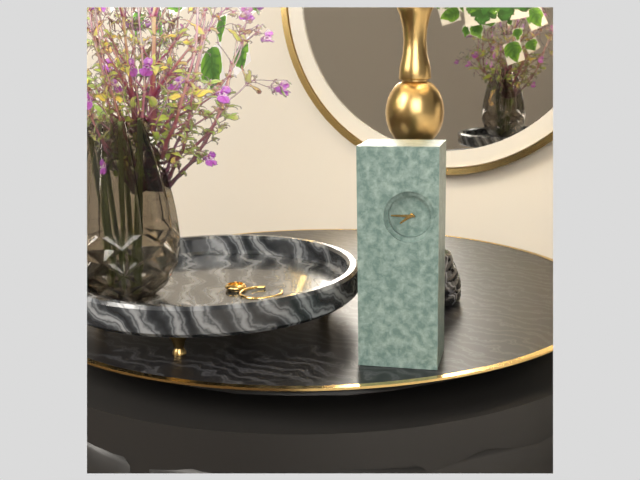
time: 7:45
